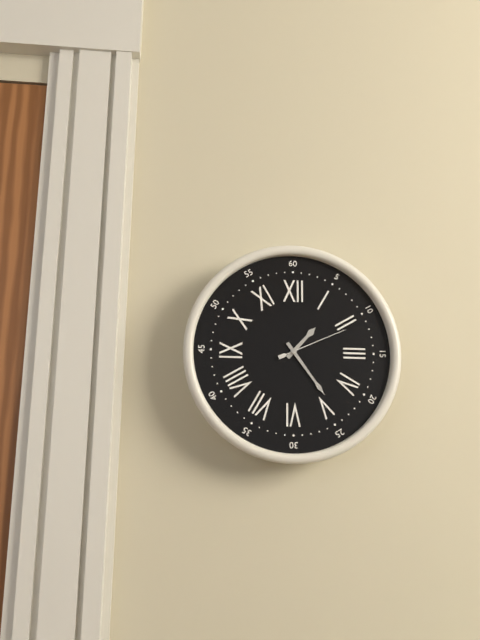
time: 1:24:11
